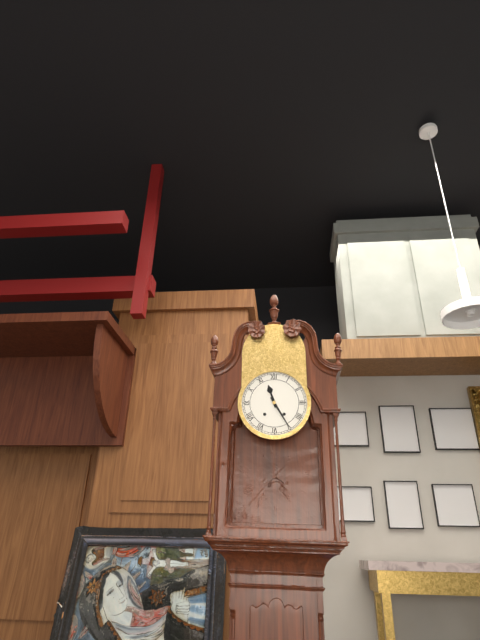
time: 11:25
